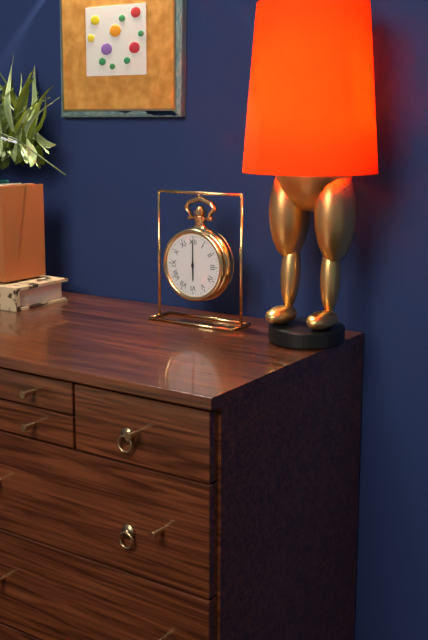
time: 6:00
